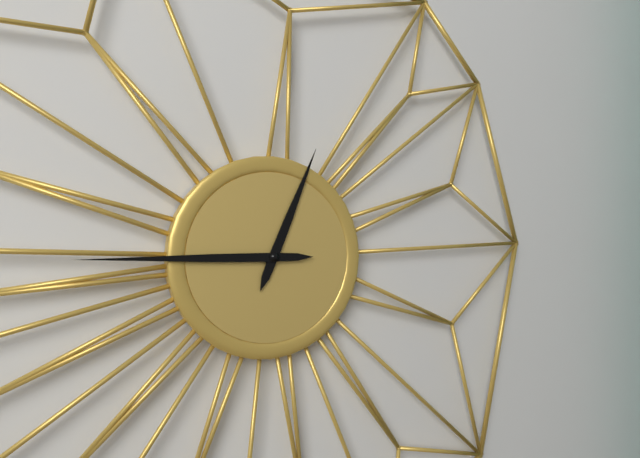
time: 12:45
